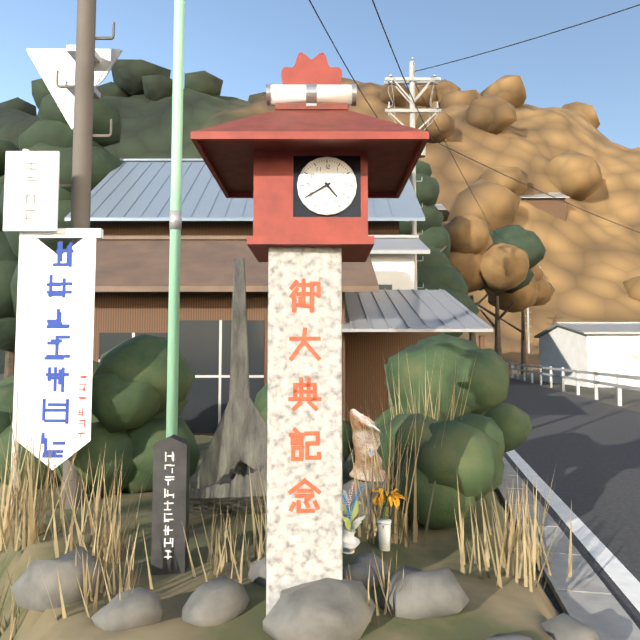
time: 4:40
